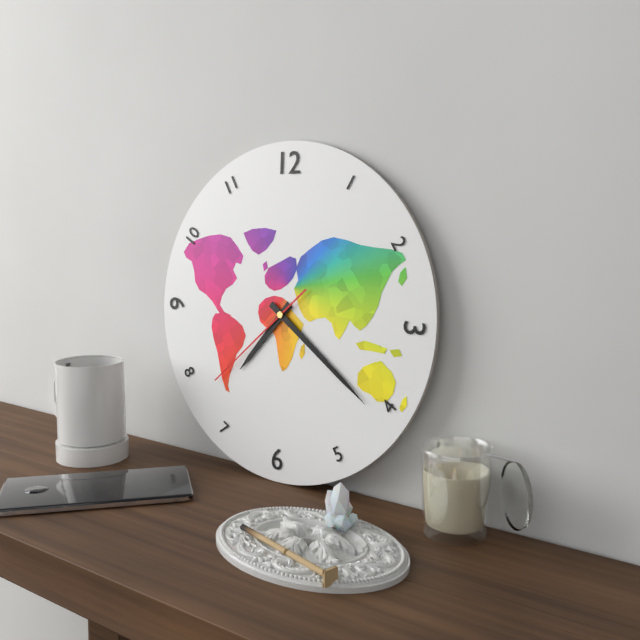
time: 7:21:38
